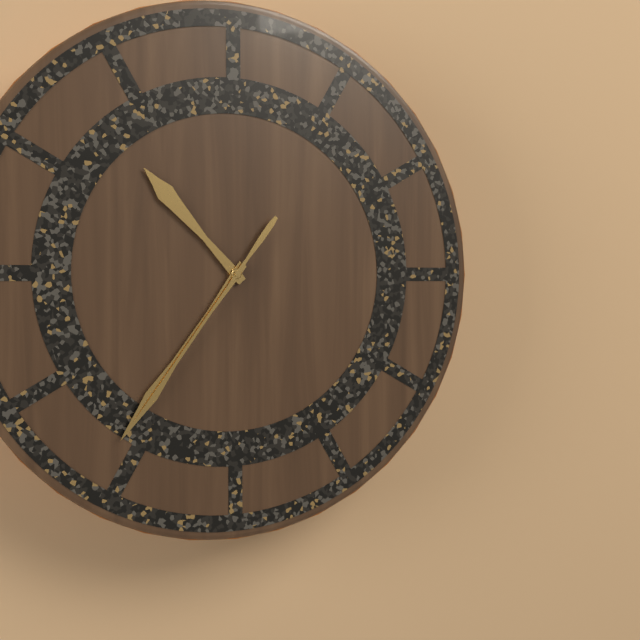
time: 10:36:36
